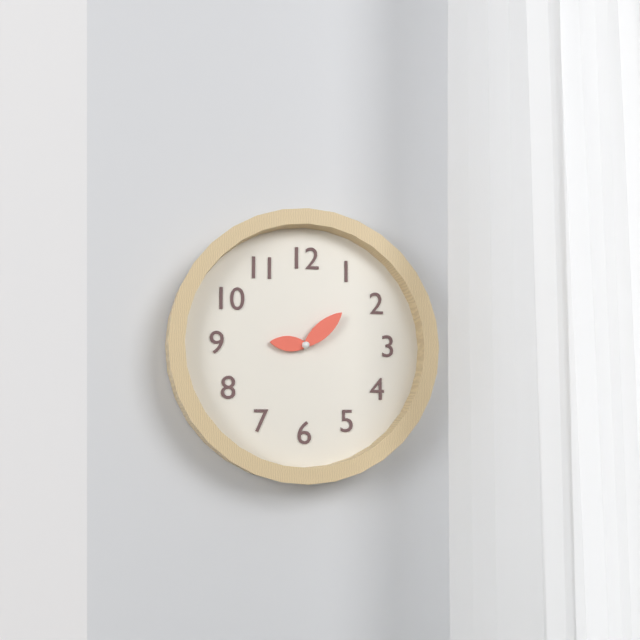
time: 9:08
